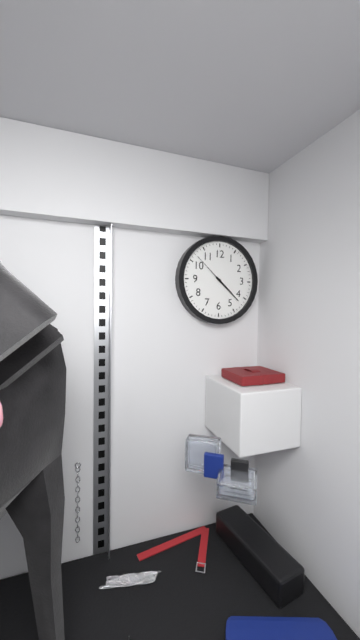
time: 4:22
